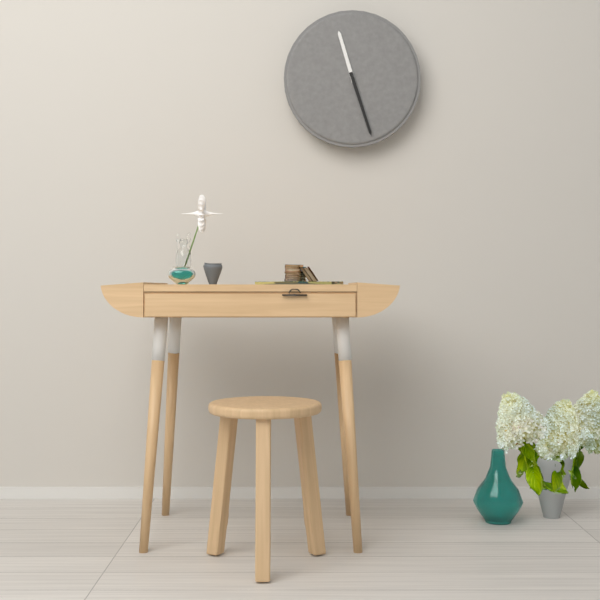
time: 11:27
